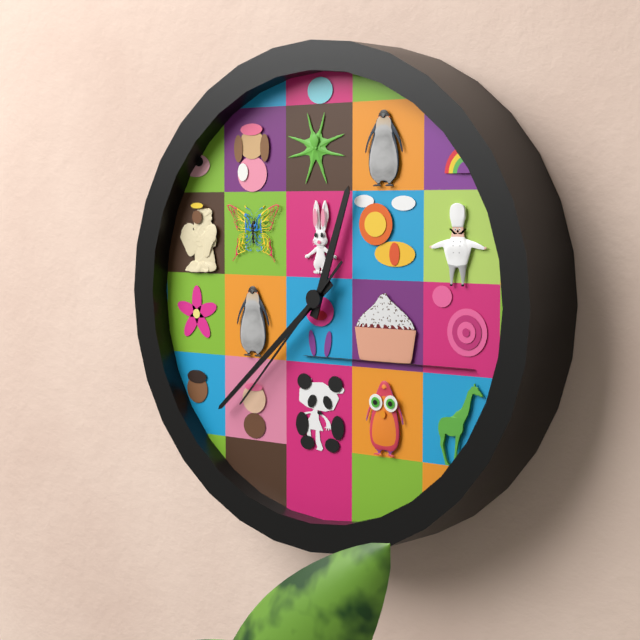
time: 12:38:37
